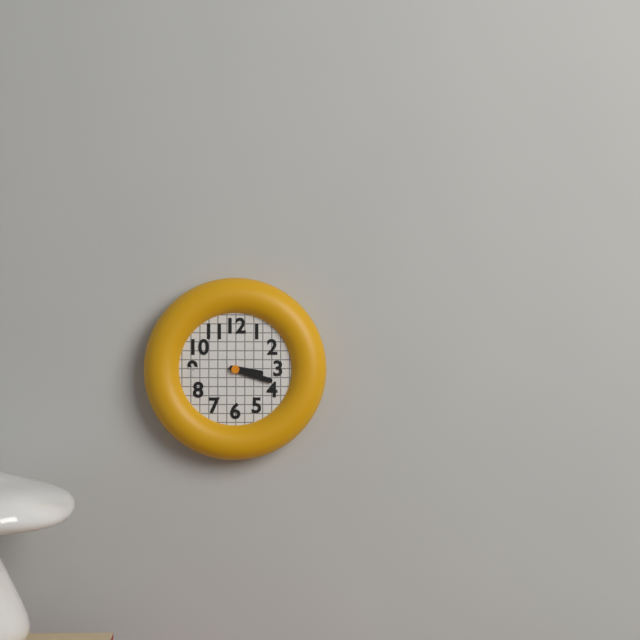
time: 3:18
